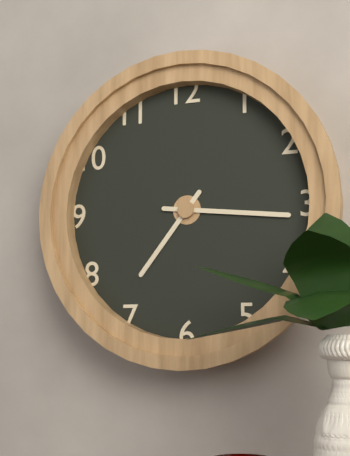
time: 7:16
